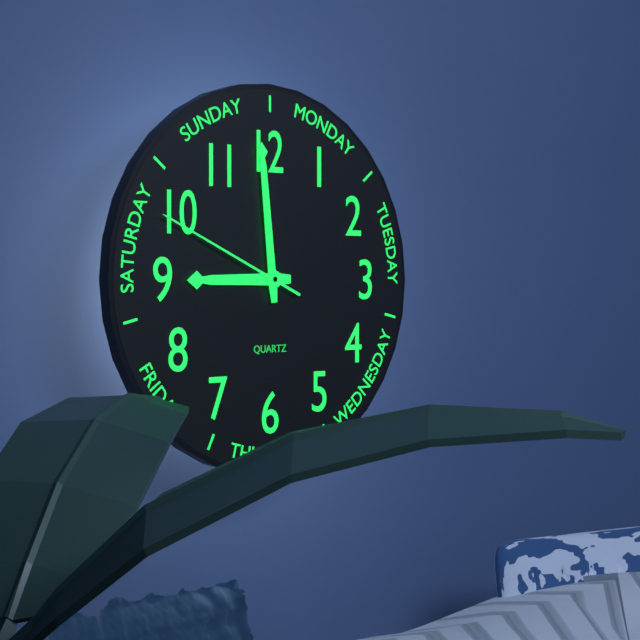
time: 8:59:49
